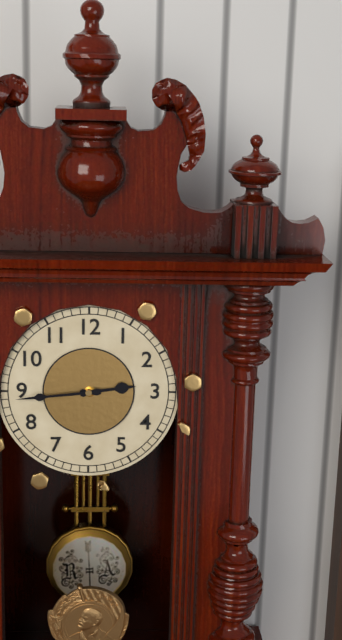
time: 2:44
